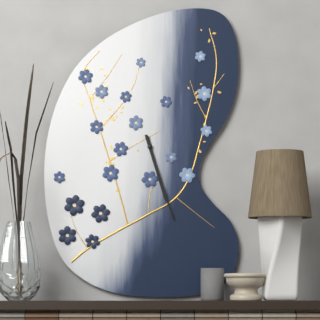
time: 5:27
